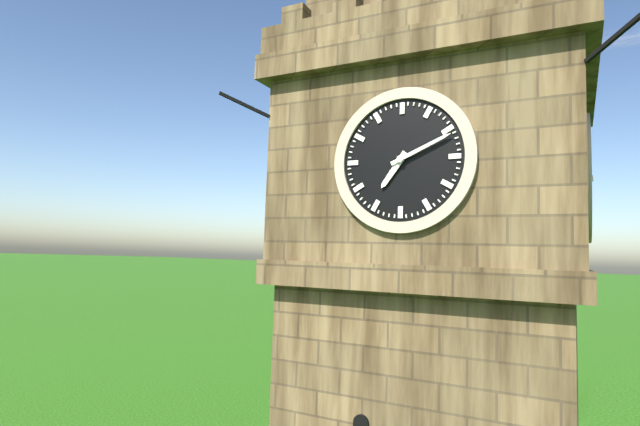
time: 7:11
